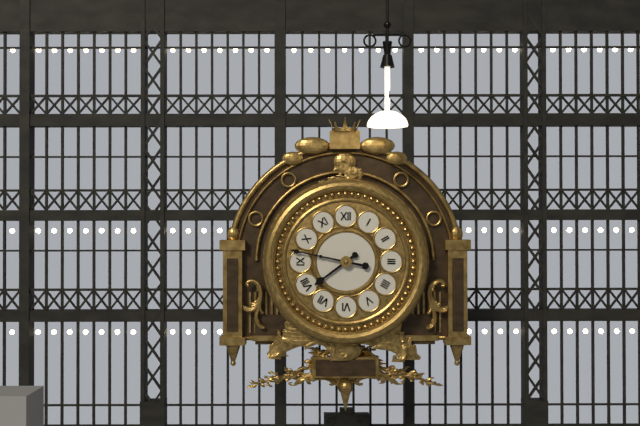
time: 7:47
